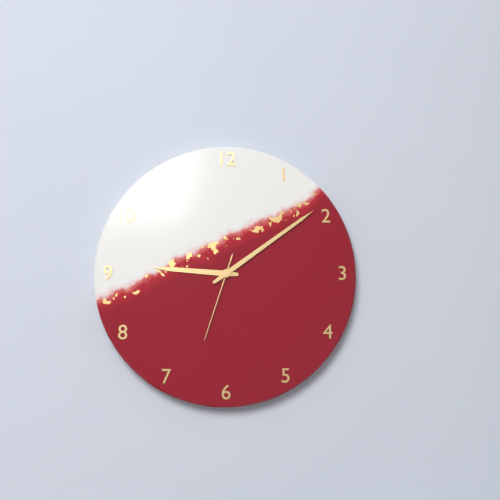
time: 9:09:33
